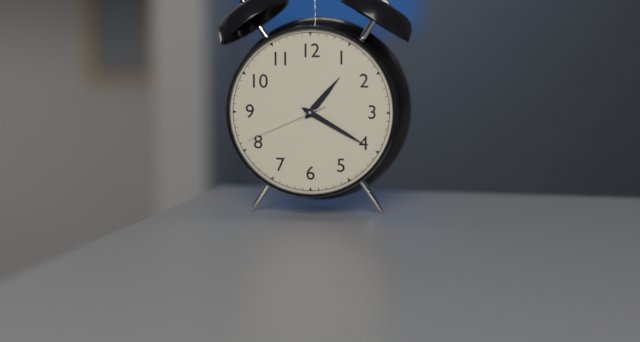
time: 1:20:41
